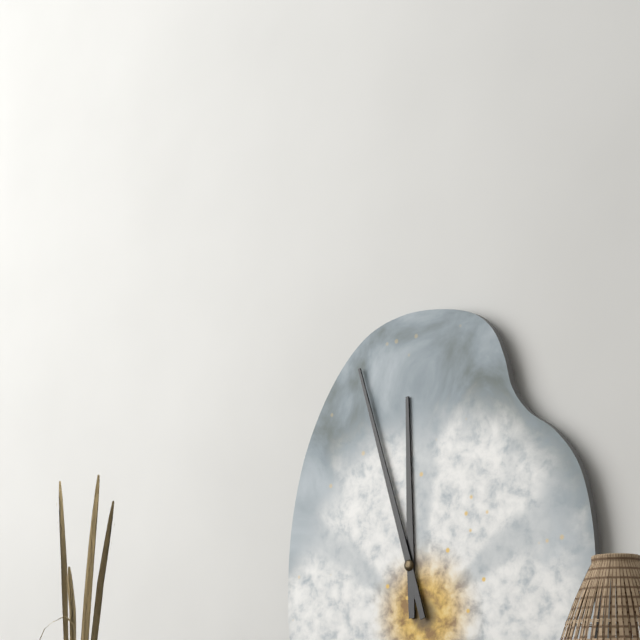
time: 11:57
